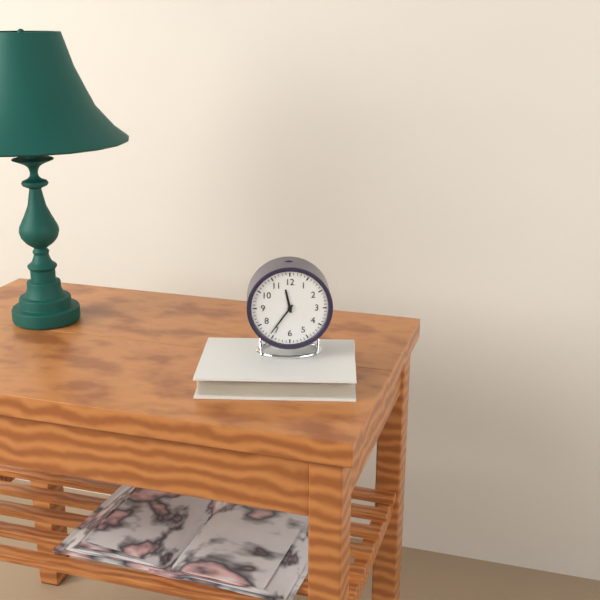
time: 11:36
